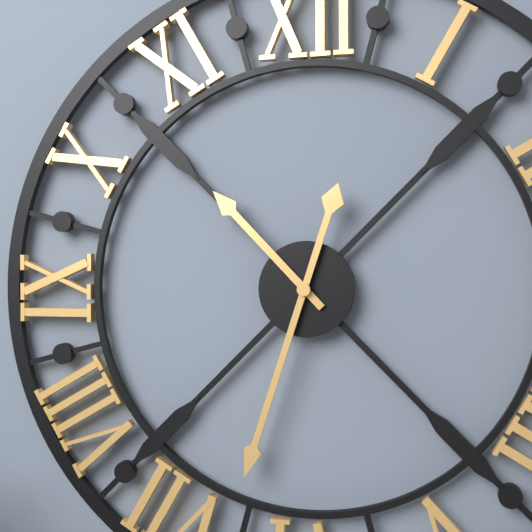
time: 10:33
